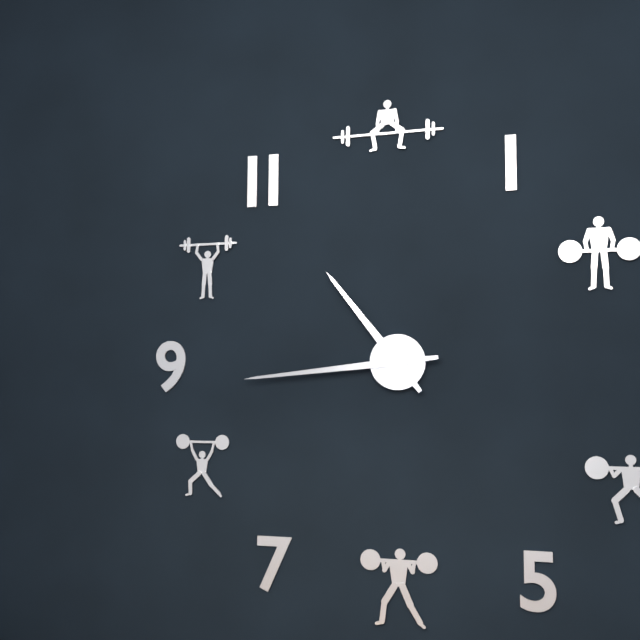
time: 10:44
